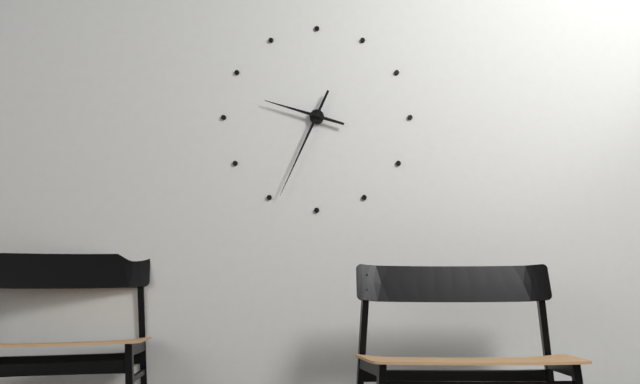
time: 9:34
